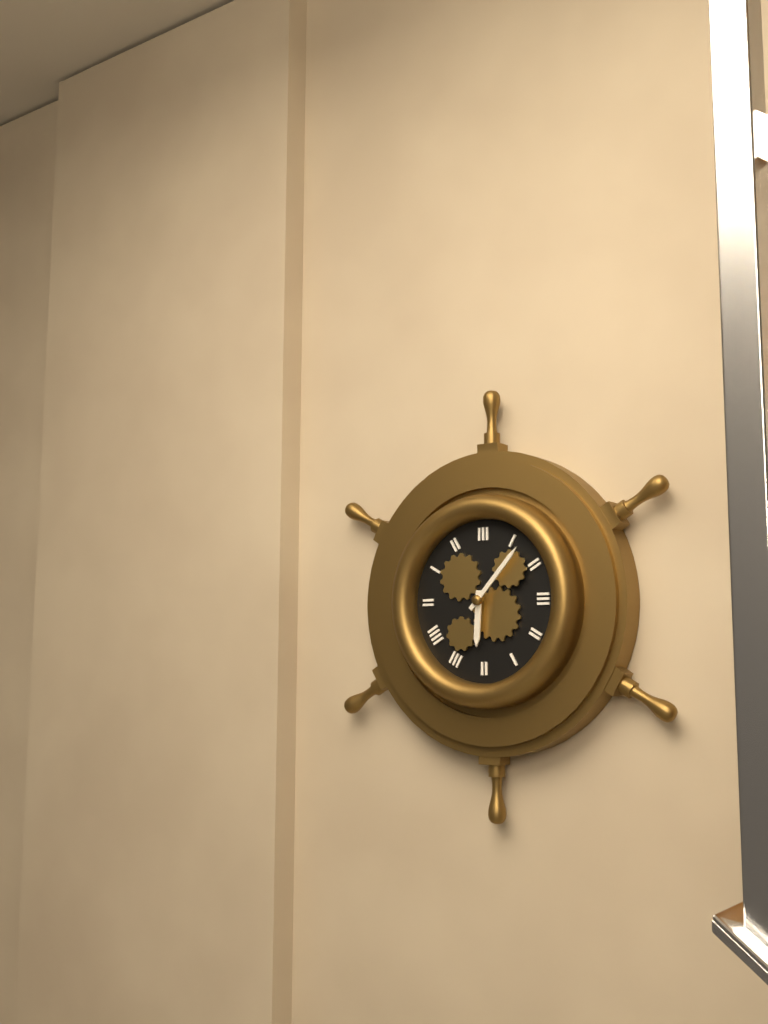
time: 6:07
